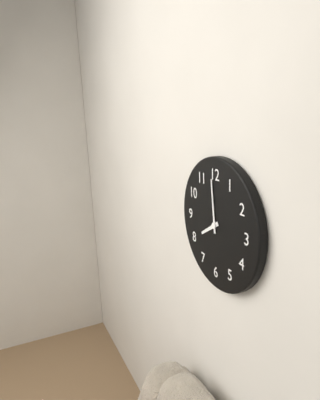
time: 7:59
